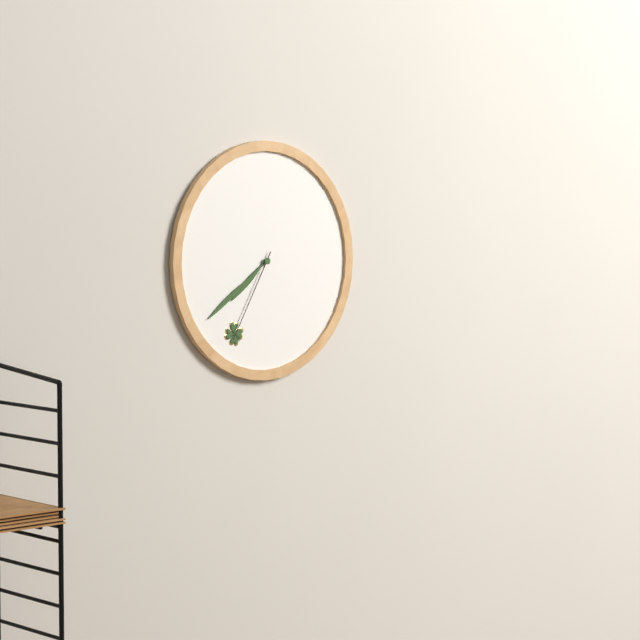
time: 7:39:35
